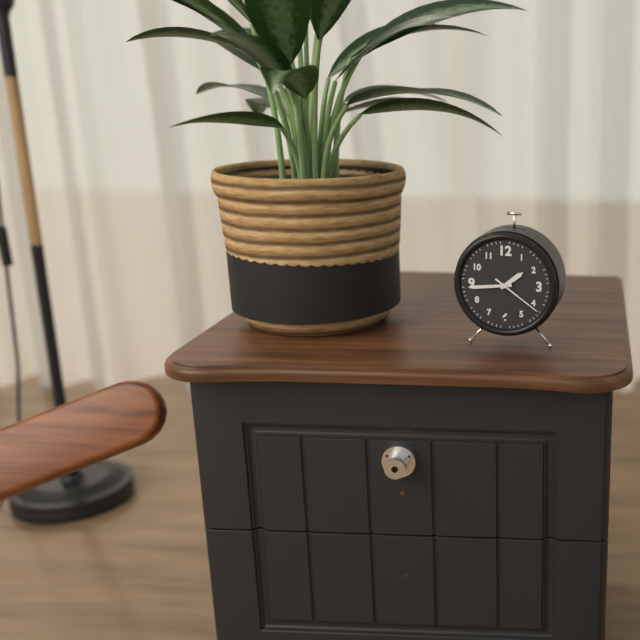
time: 1:44:21
